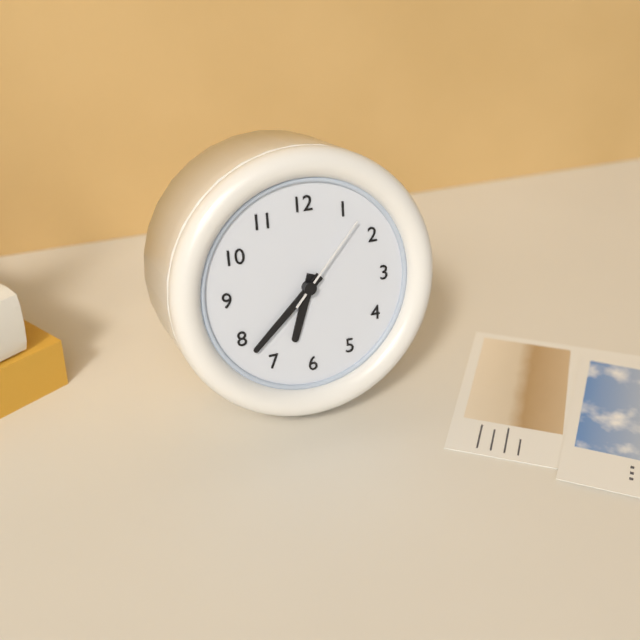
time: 6:38:07
